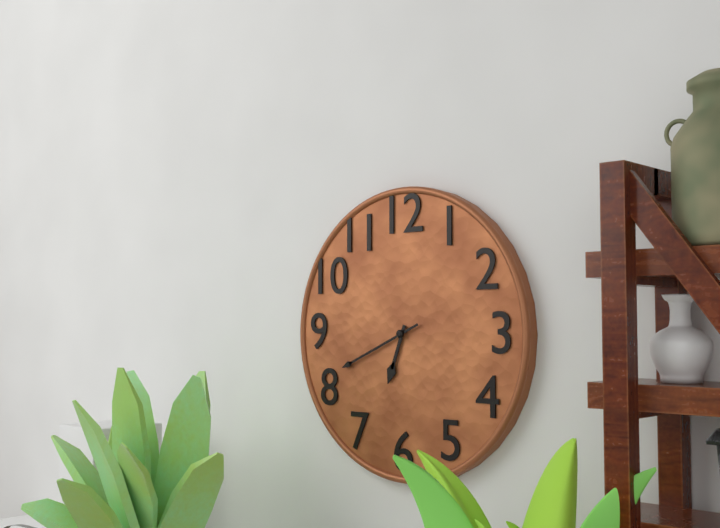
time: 6:41
